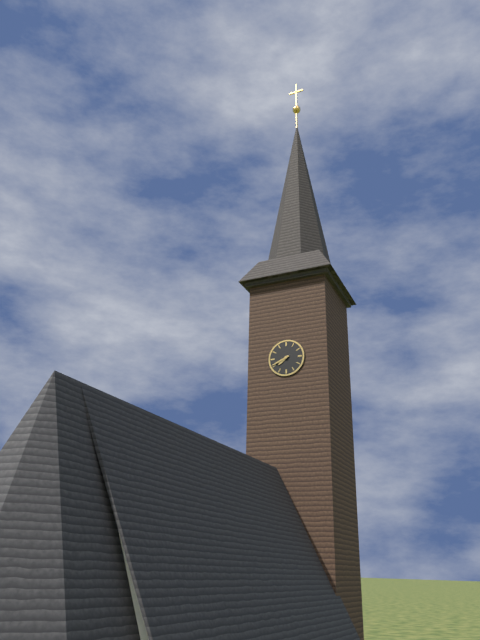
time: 7:41
